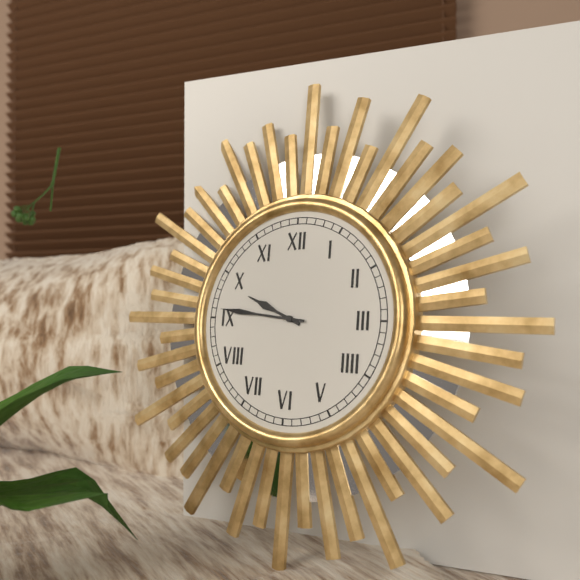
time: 9:46
